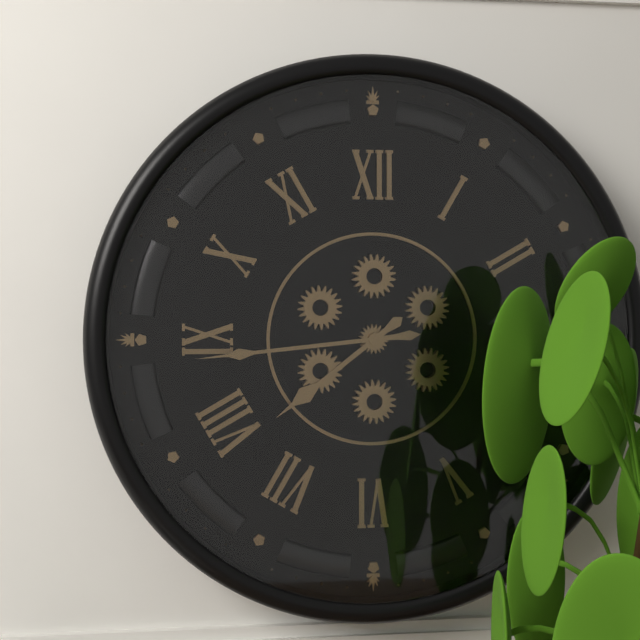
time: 7:44
